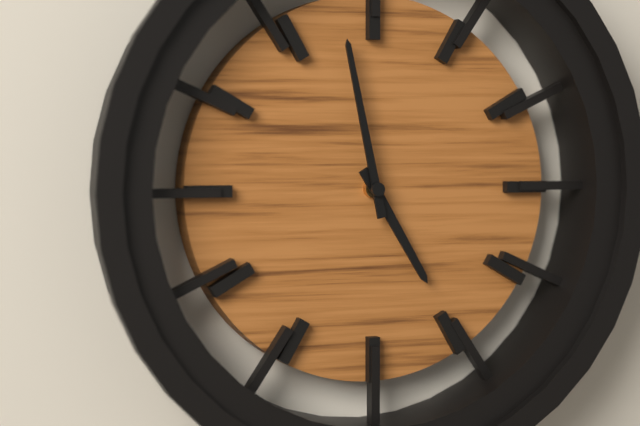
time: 4:58
